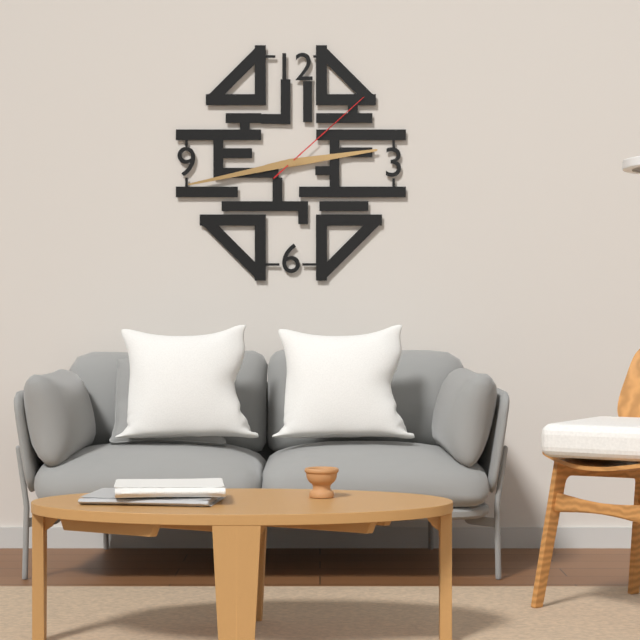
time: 2:43:08
